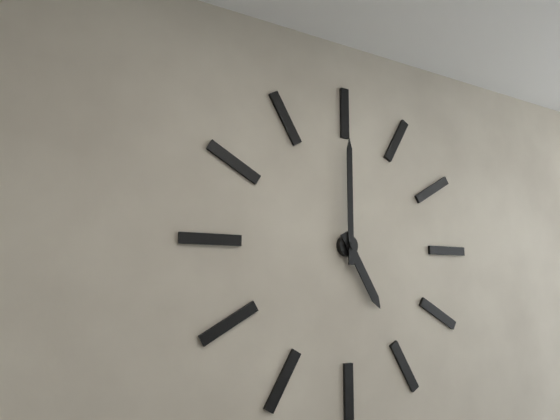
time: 5:00
